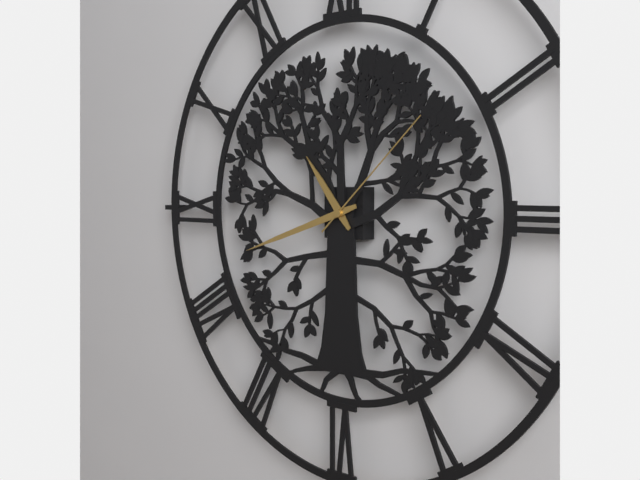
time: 10:42:08
